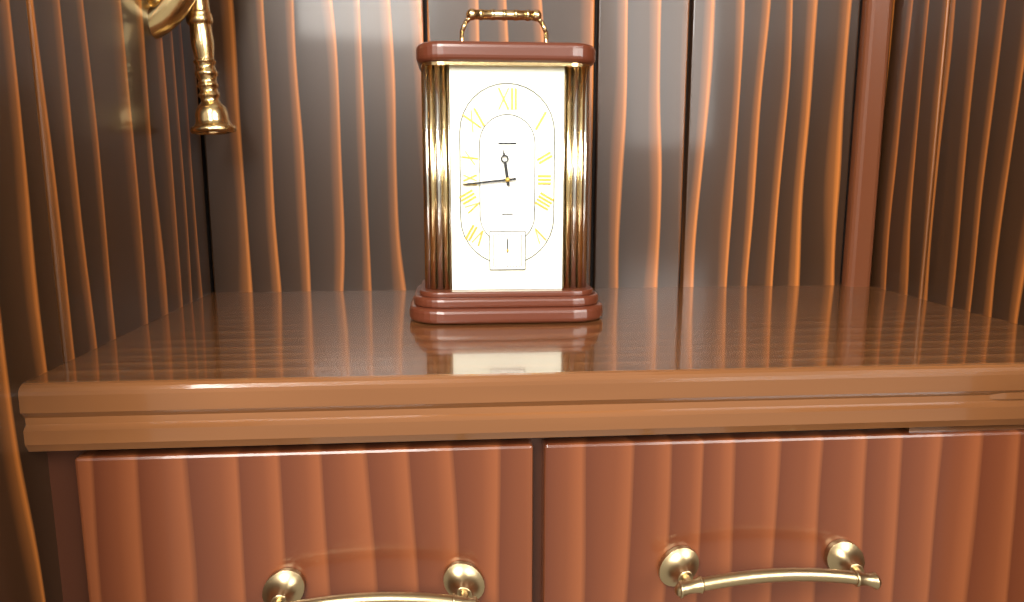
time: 11:44
